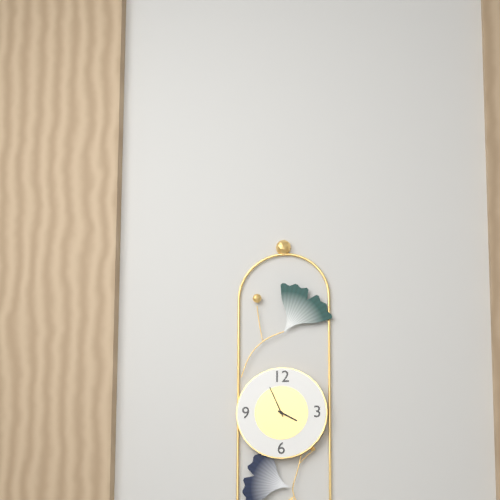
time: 3:56
